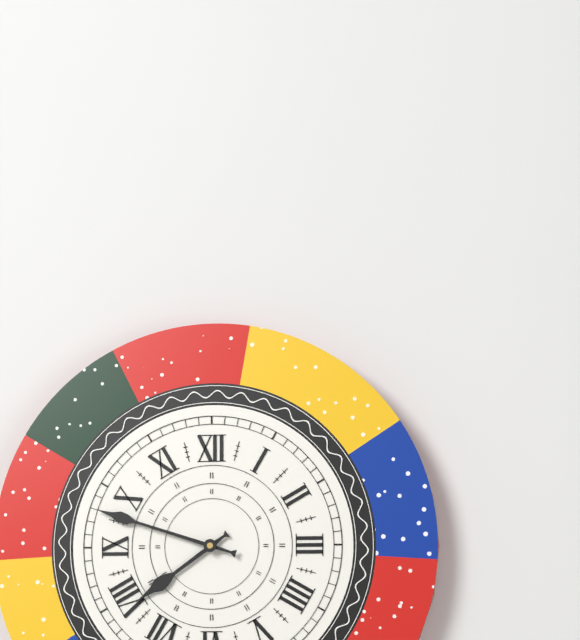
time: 7:48
